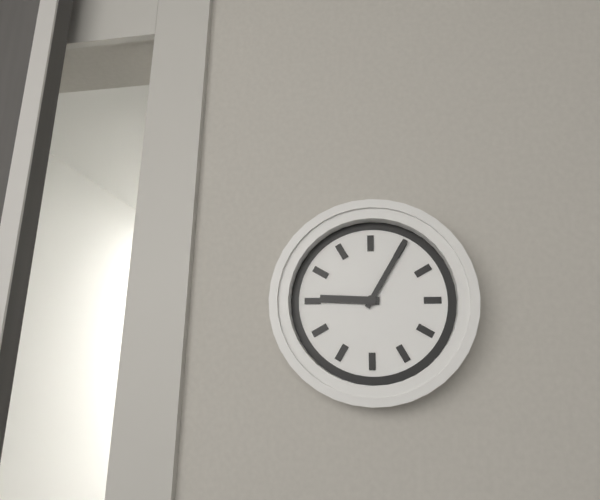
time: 9:05
